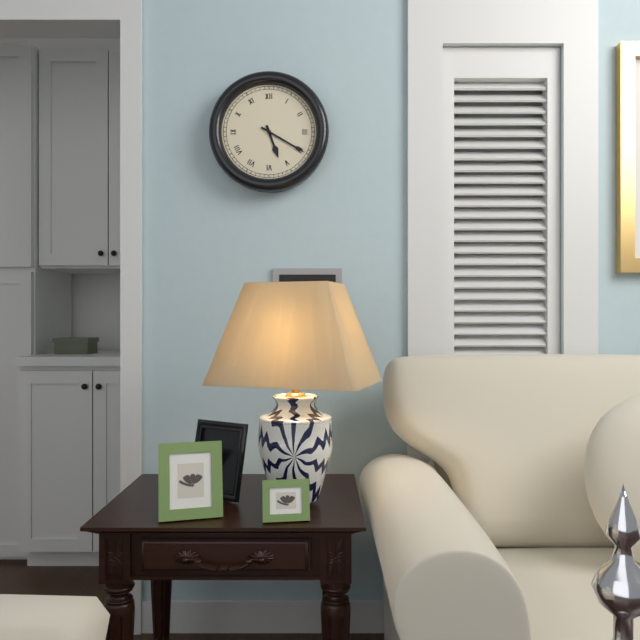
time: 5:20
